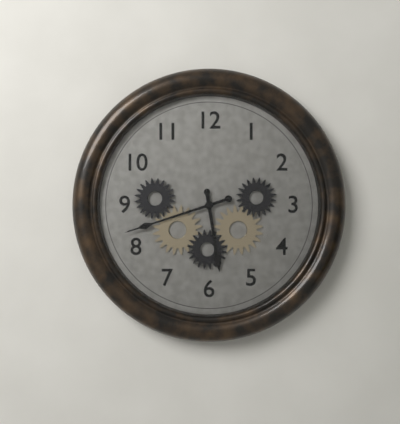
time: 5:42
